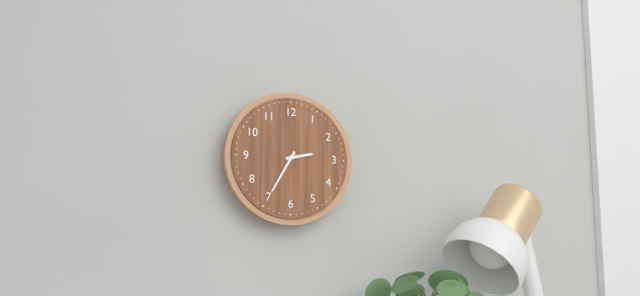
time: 2:35
